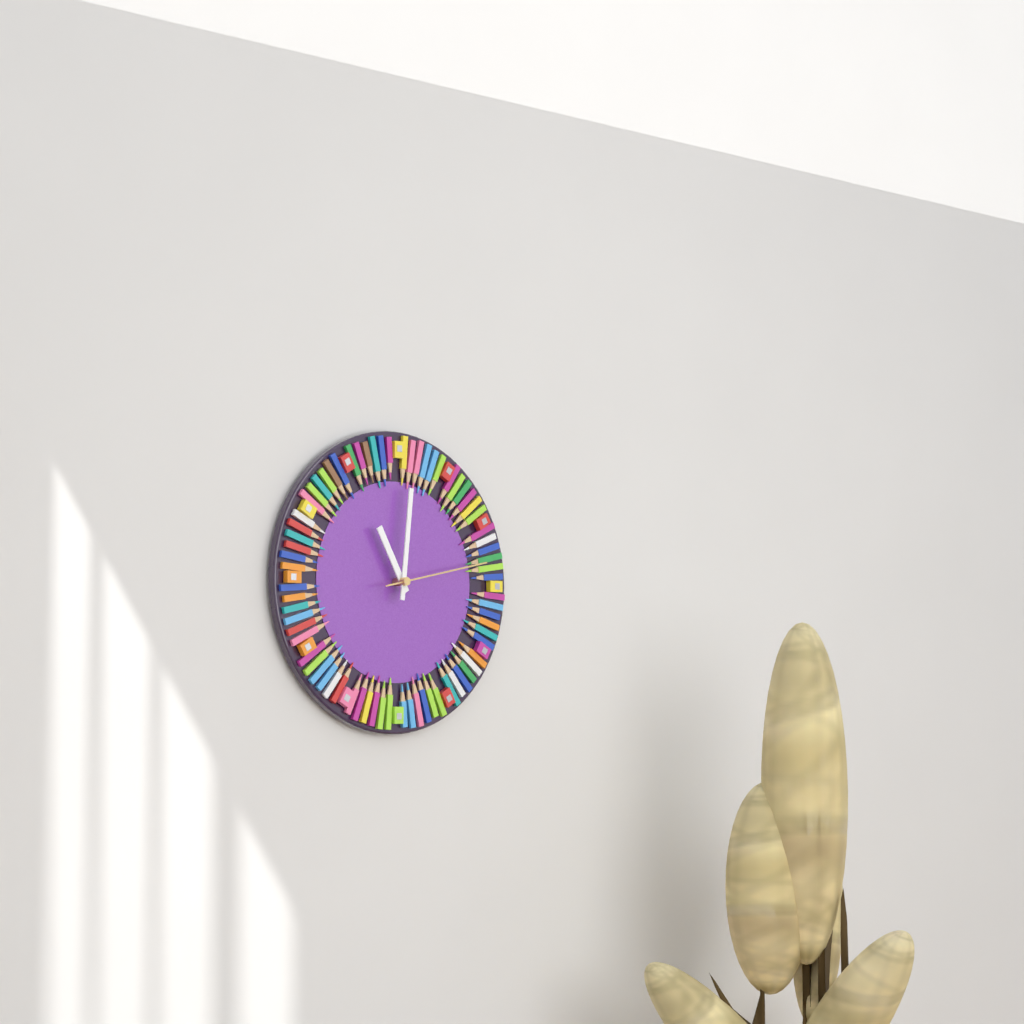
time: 11:01:13
